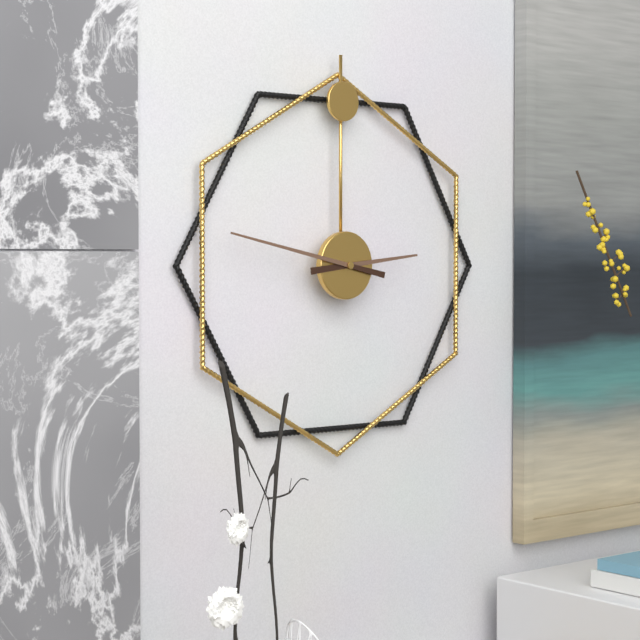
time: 2:47
